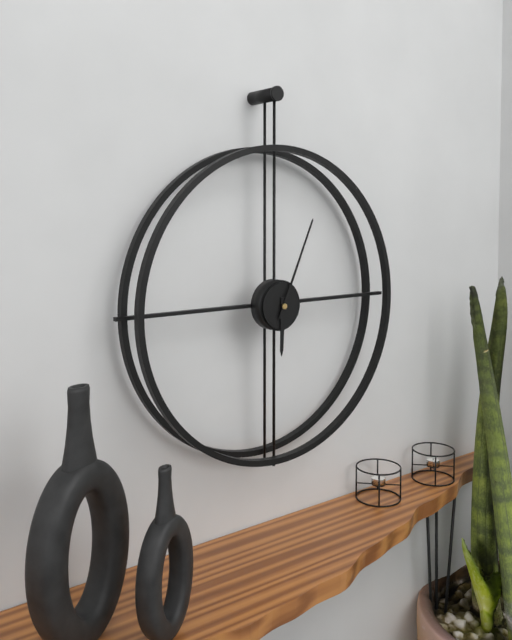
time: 6:04
